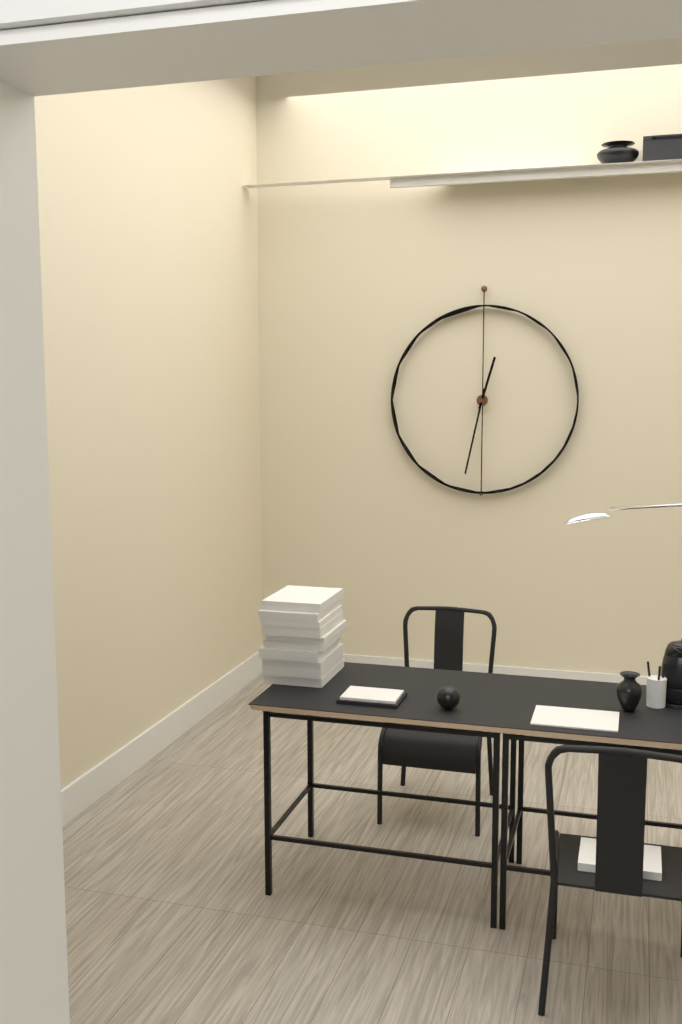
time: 12:32
